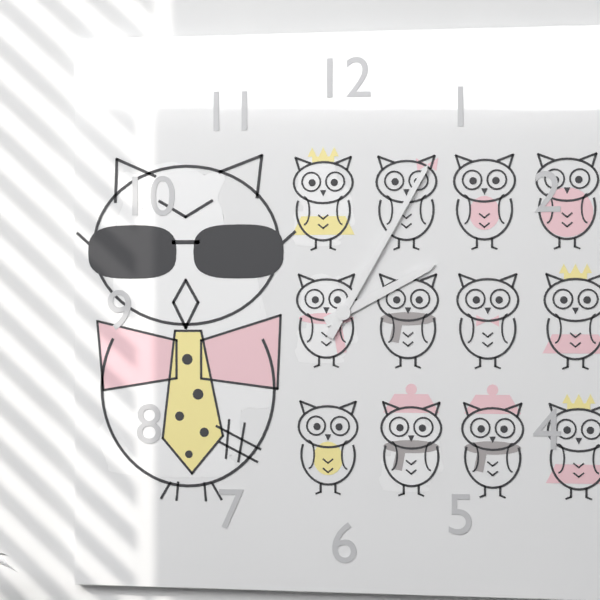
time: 2:05
